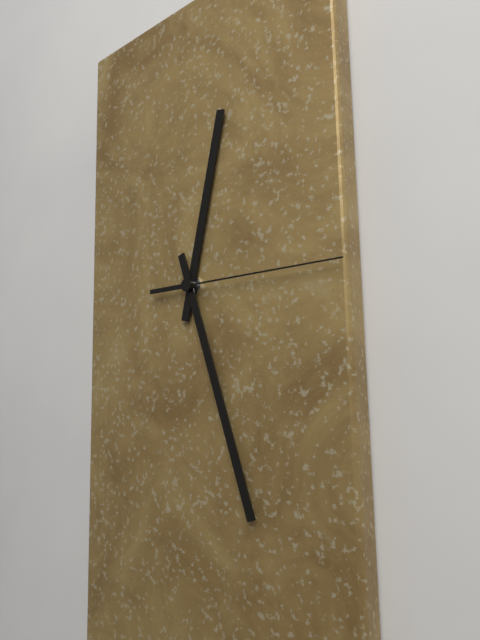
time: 12:27:15
